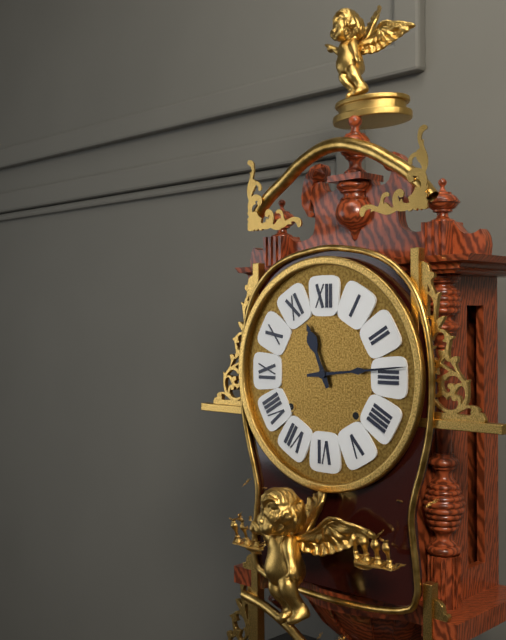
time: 11:14
